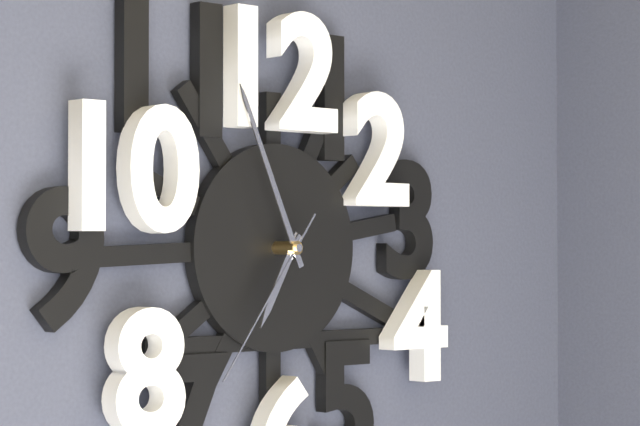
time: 6:56:36
